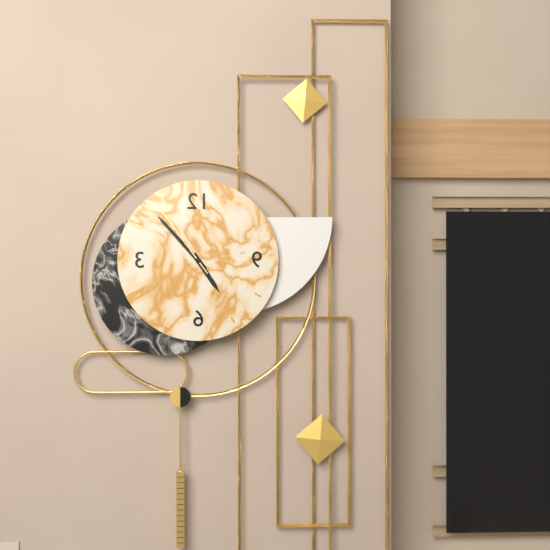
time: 4:53:54
